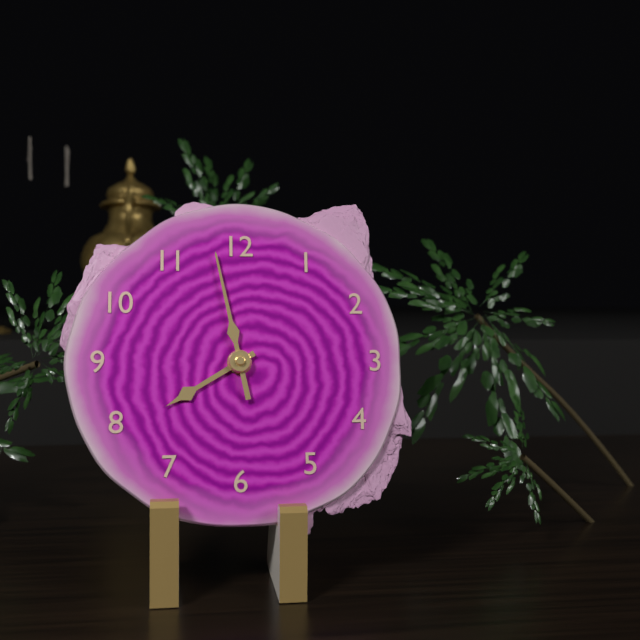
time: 7:58
